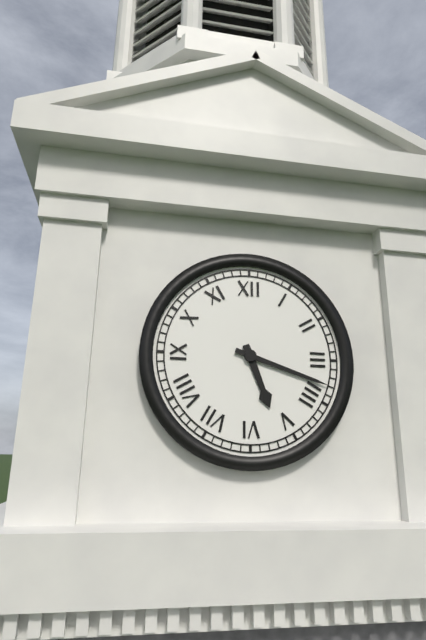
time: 5:18
